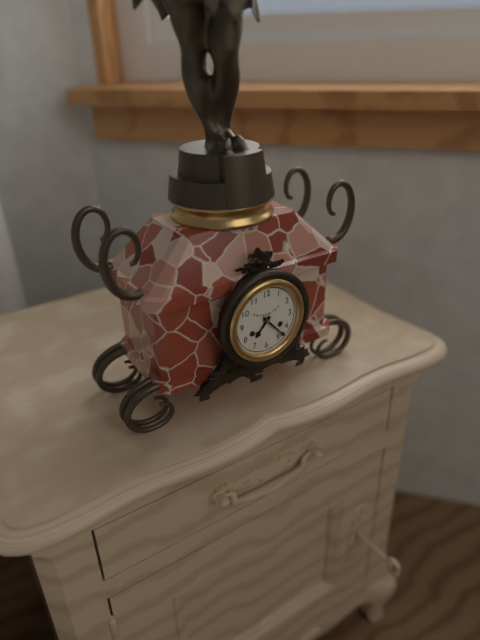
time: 7:23
